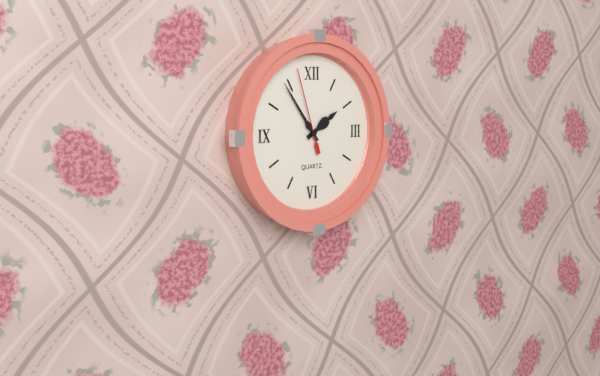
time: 1:54:57
